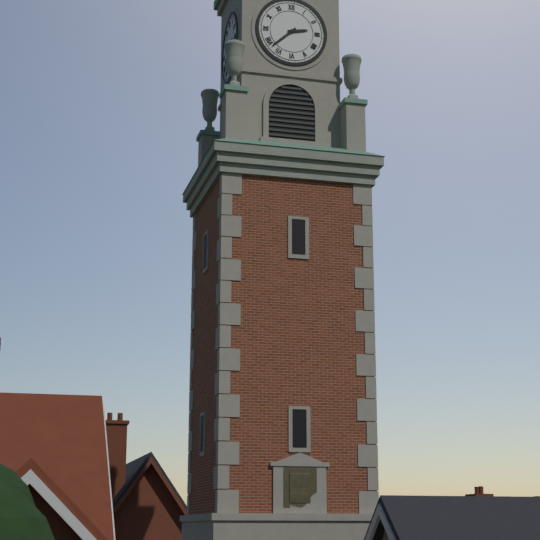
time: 2:38
